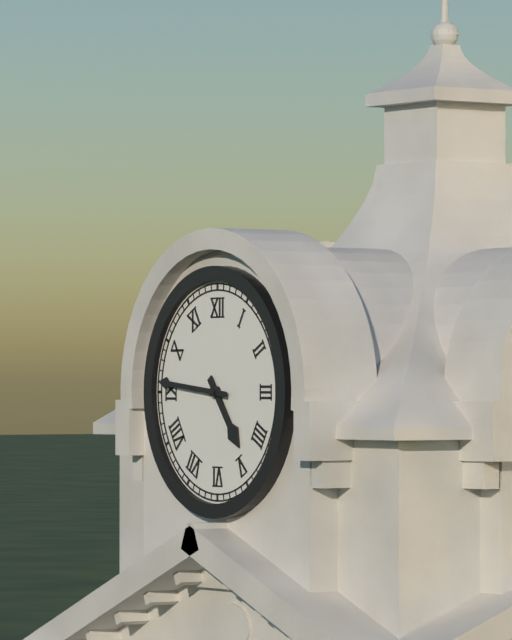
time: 4:46
